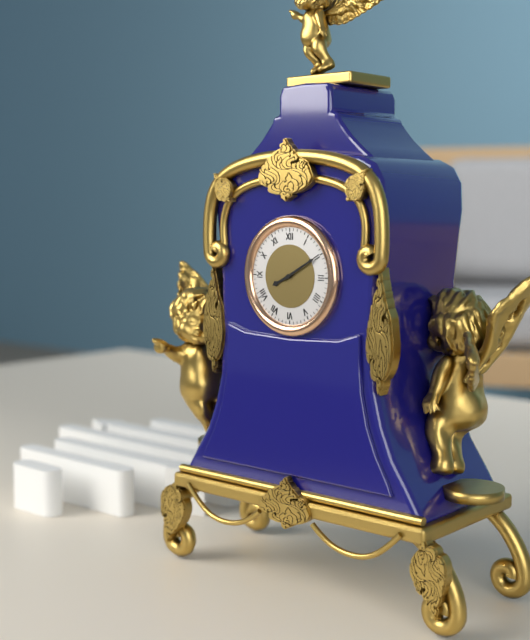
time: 8:10
